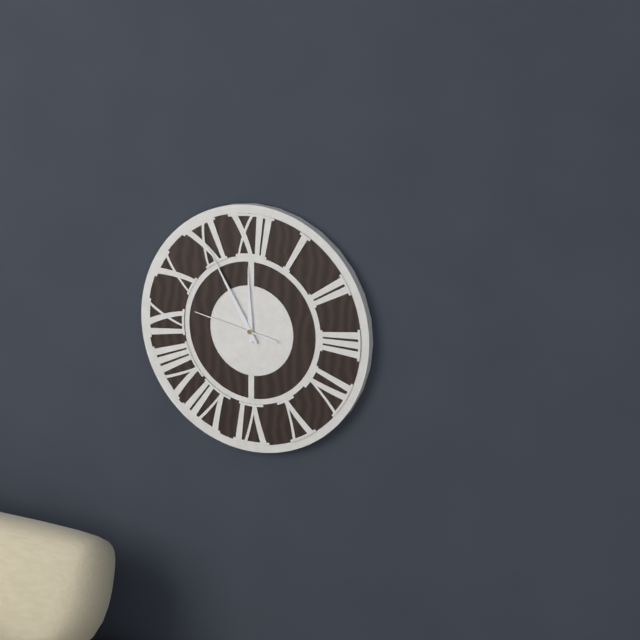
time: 11:55:47
